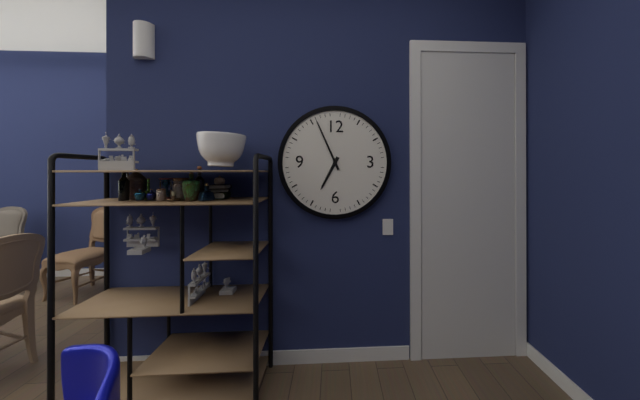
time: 6:56
